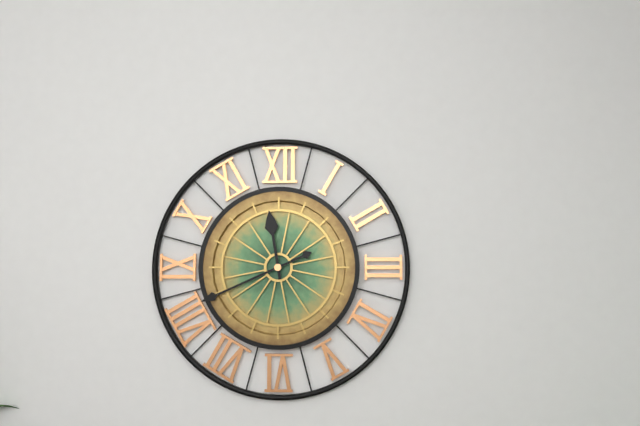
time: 11:41
